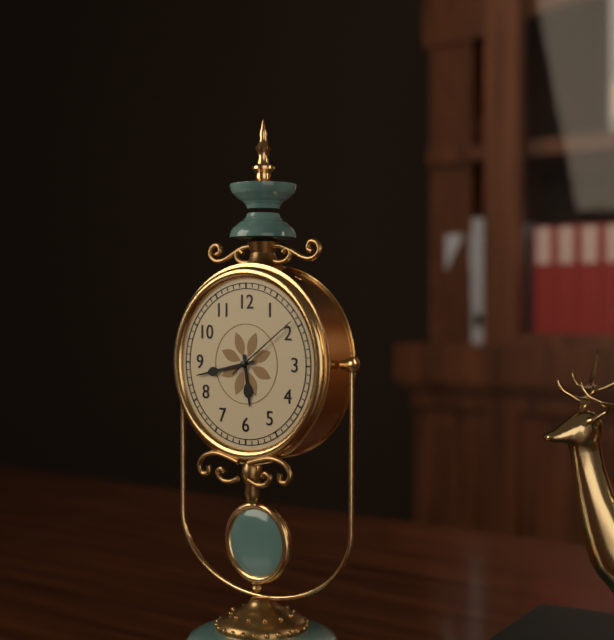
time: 5:43:09
